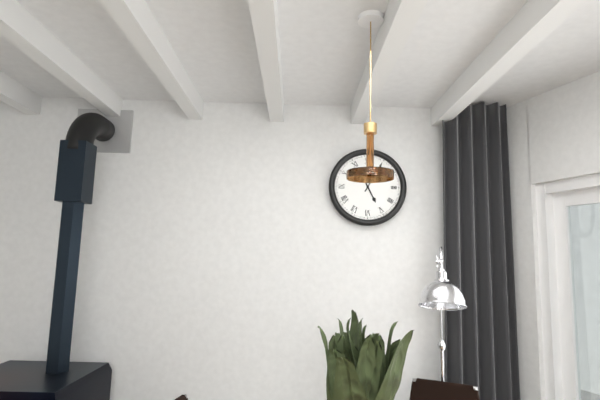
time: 5:05
